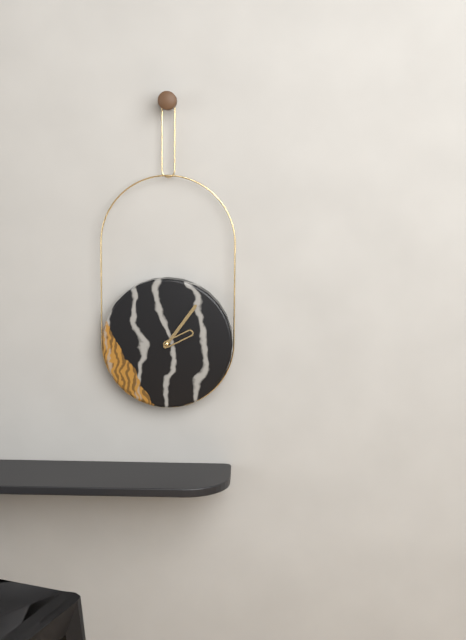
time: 2:06
